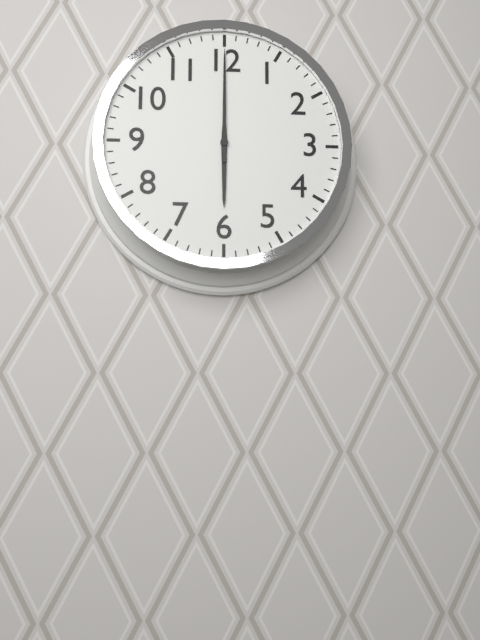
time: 6:00
